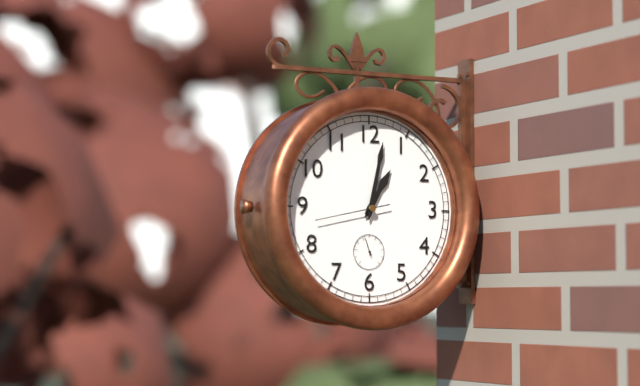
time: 1:02:43
